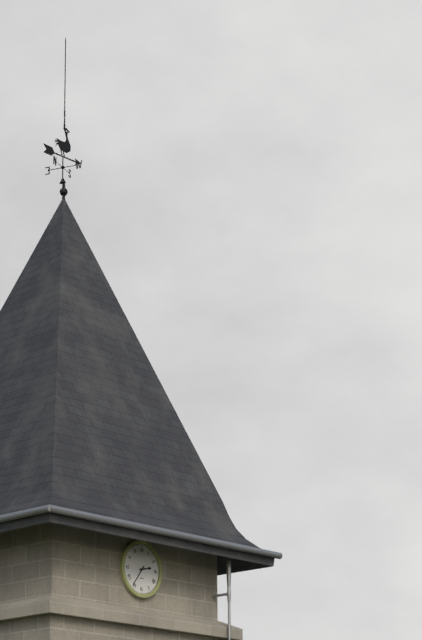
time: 2:36
